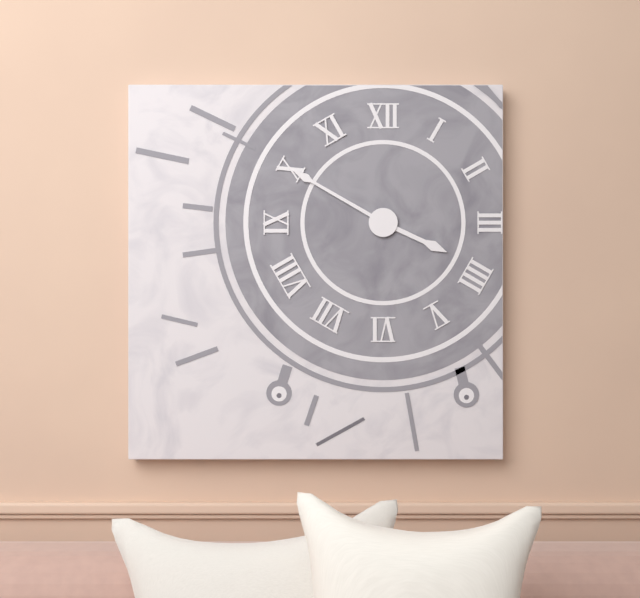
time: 3:50
